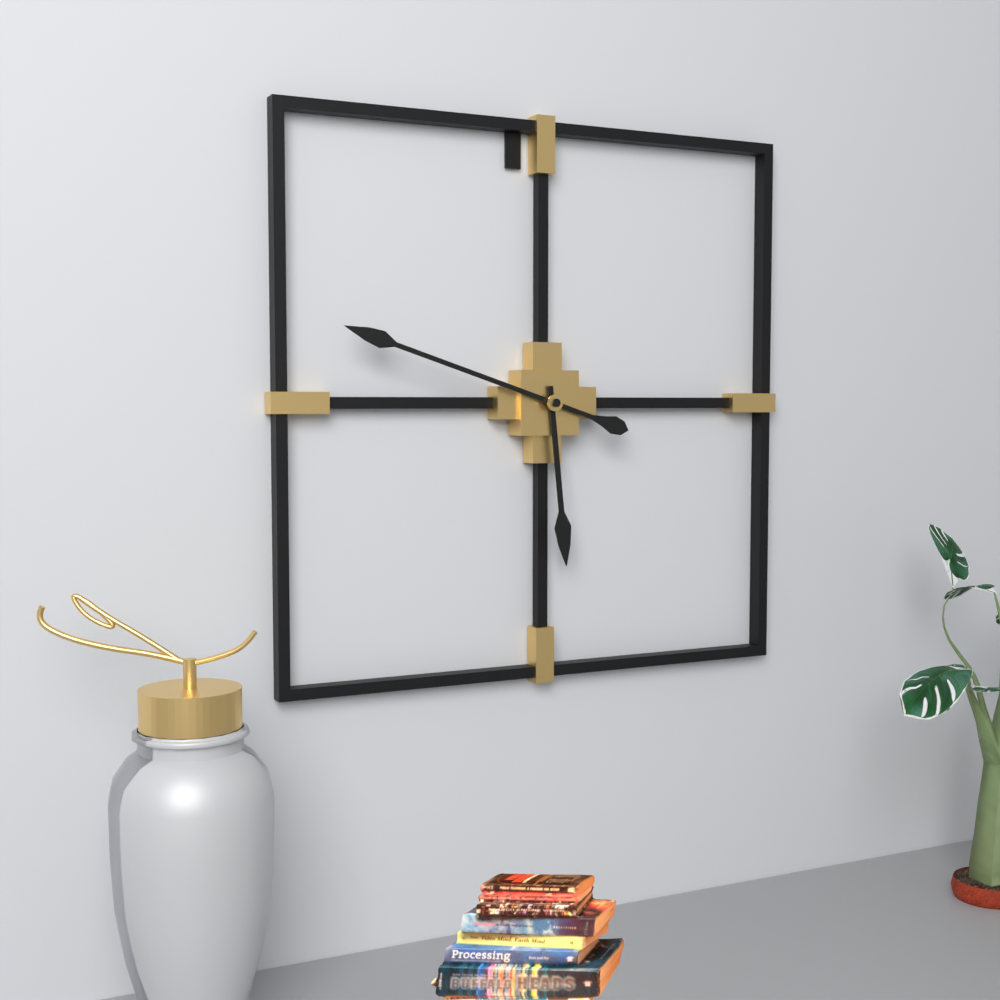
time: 5:48
